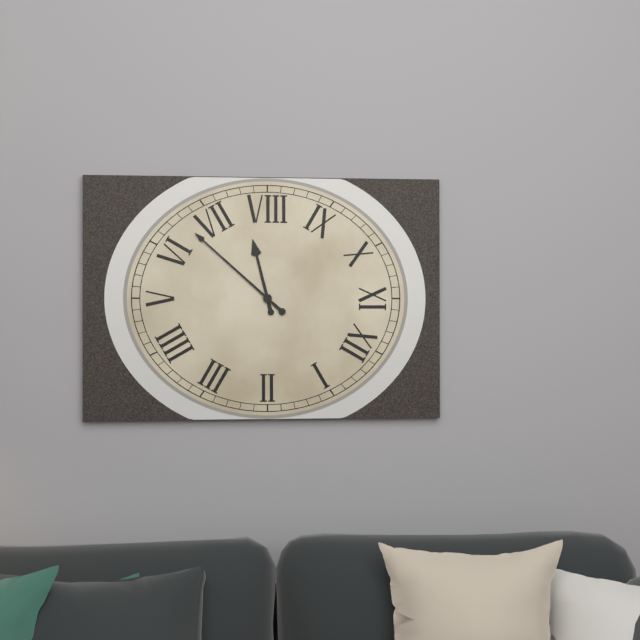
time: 7:32
